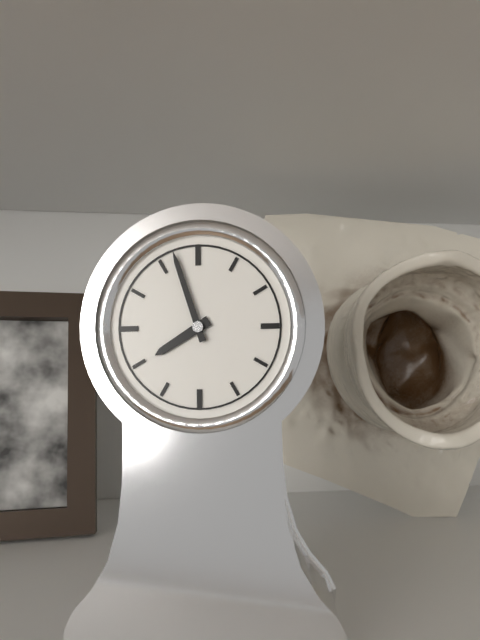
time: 7:57
